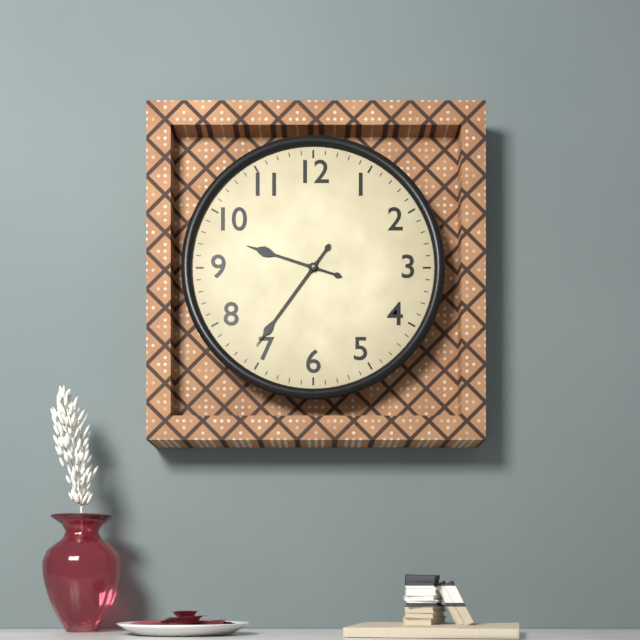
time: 9:36
